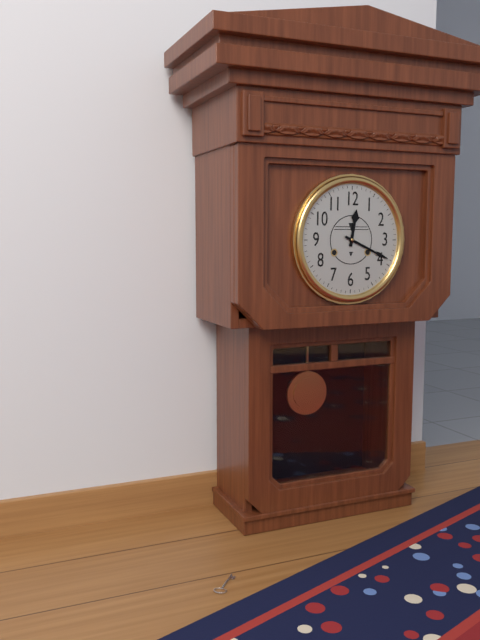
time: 12:19
